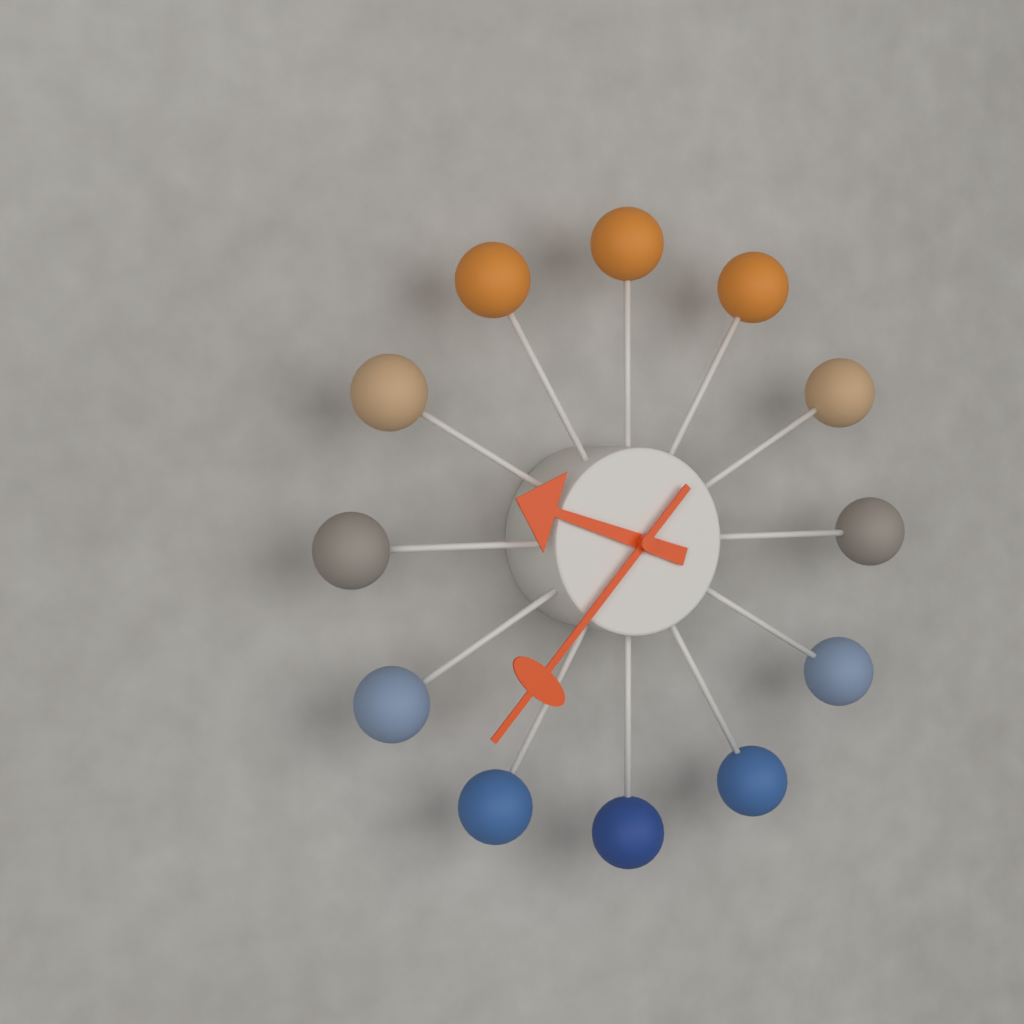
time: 9:37
